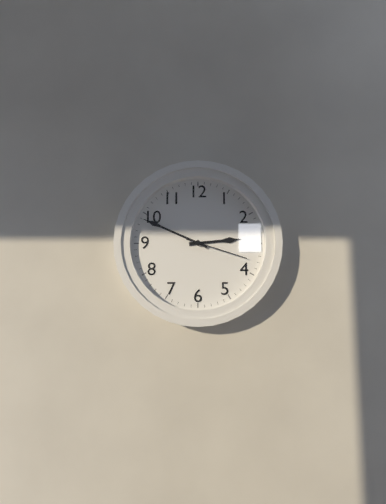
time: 2:49:18
